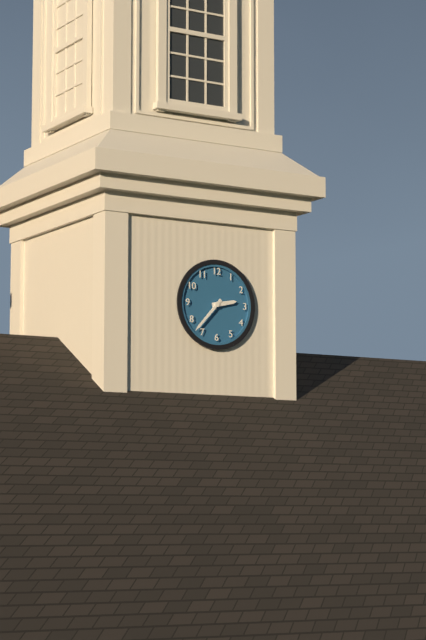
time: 2:37
